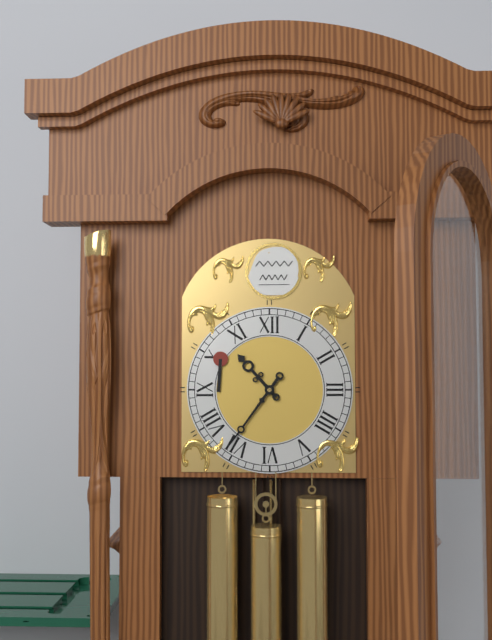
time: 10:36
